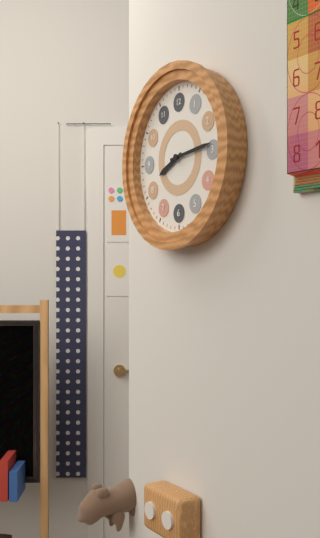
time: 8:14
